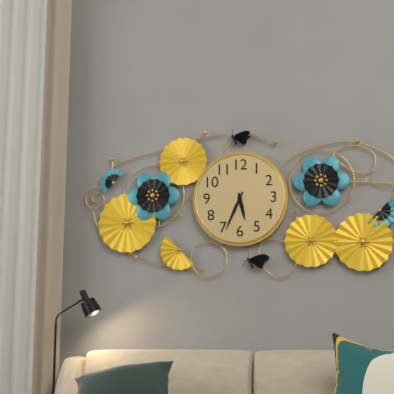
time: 5:34
